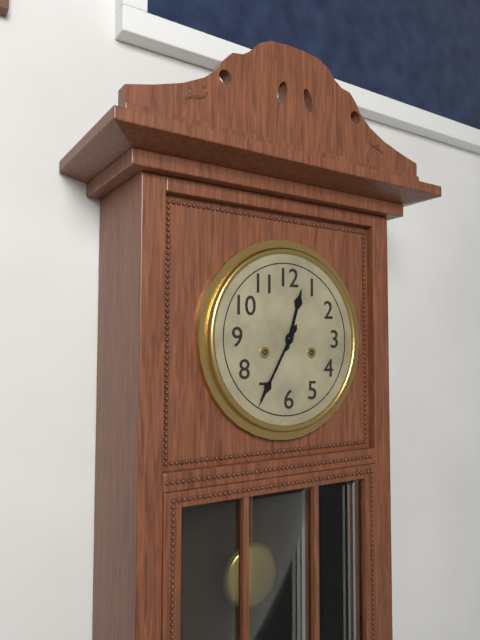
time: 12:35
